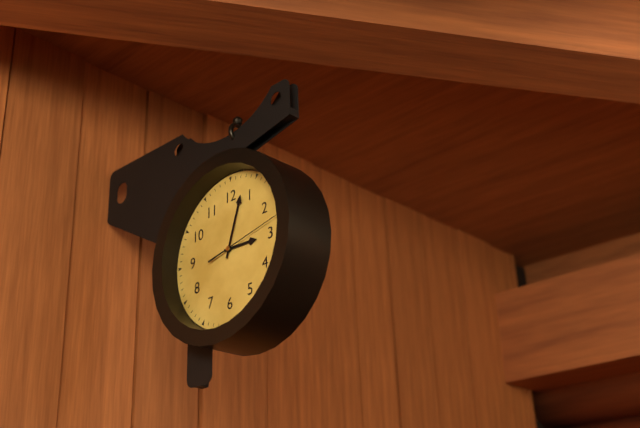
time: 3:03:13
